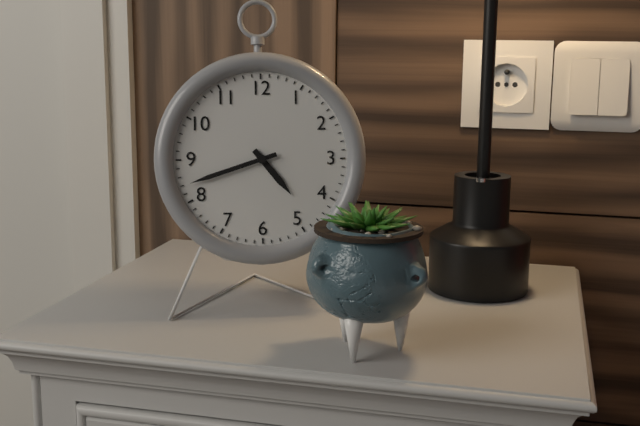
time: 4:42
